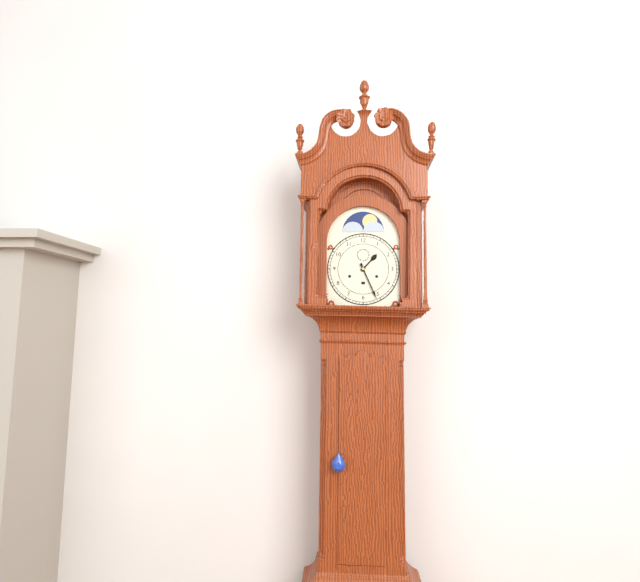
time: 1:26
